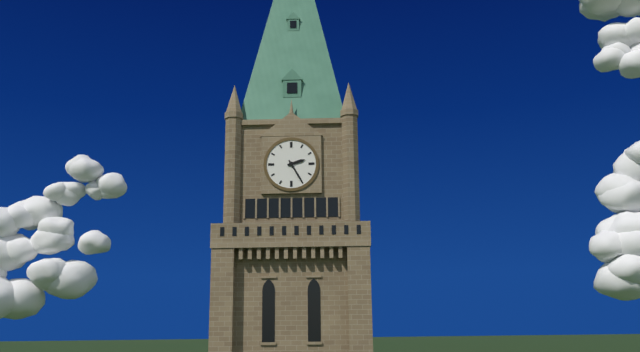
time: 2:25
